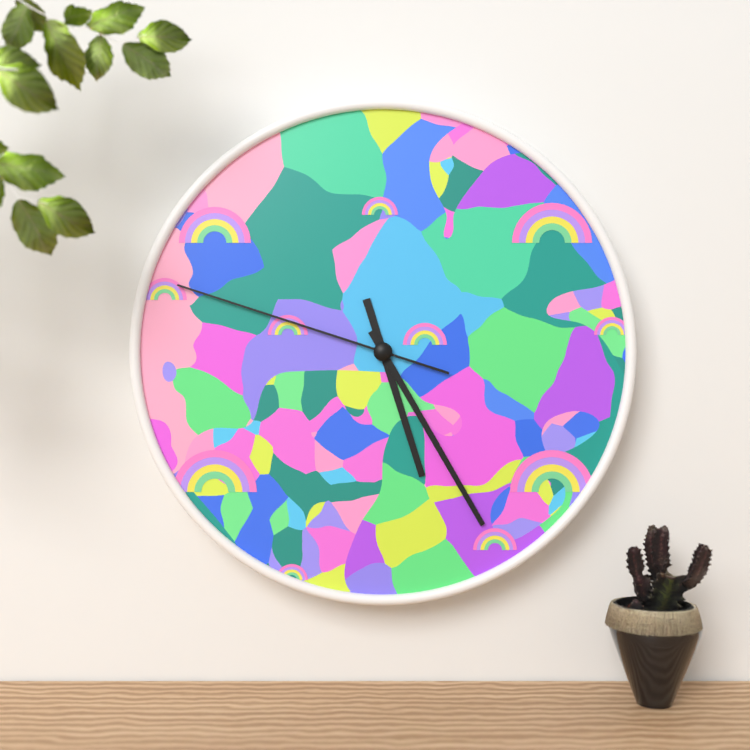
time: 5:25:48
